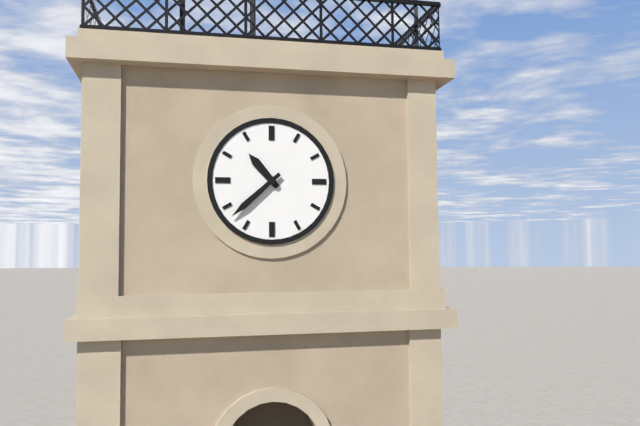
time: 10:38
